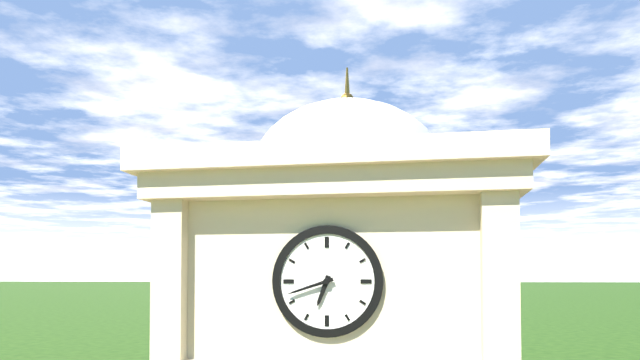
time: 6:42
